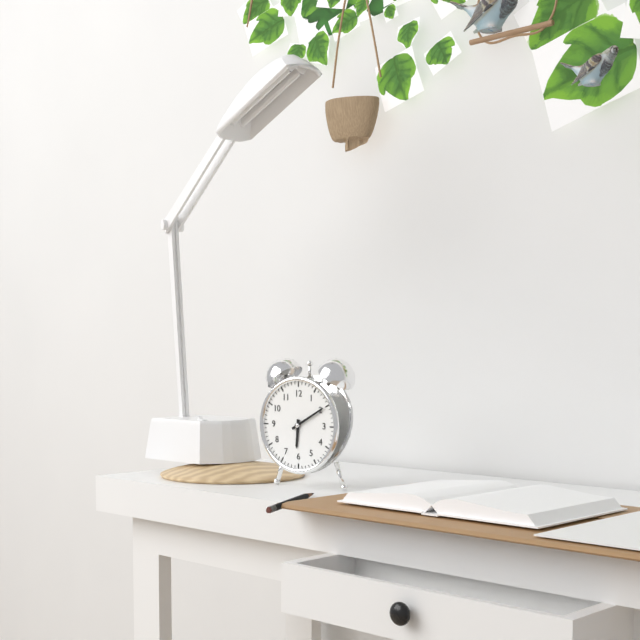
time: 6:10
